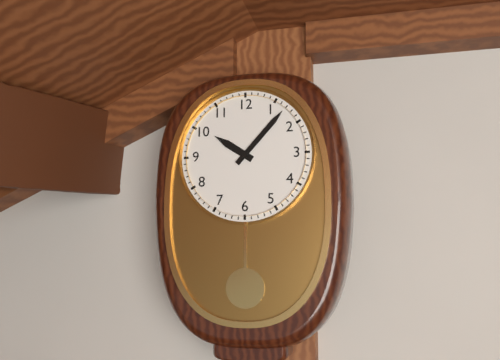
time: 10:07
